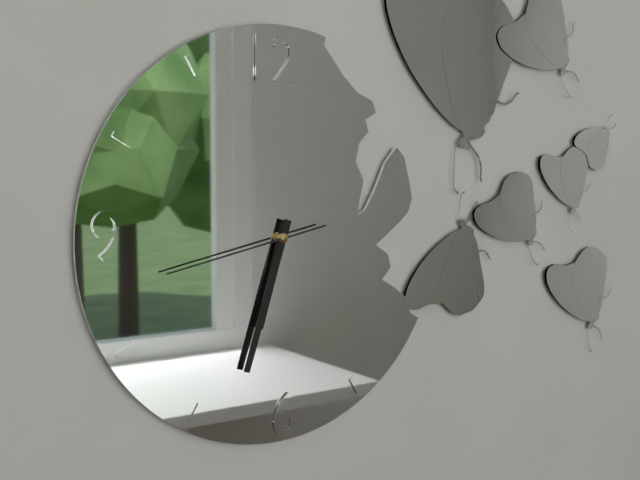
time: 6:33:43
